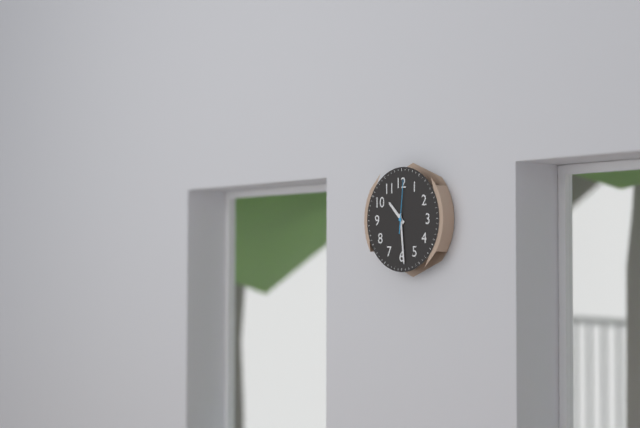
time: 10:29:01
